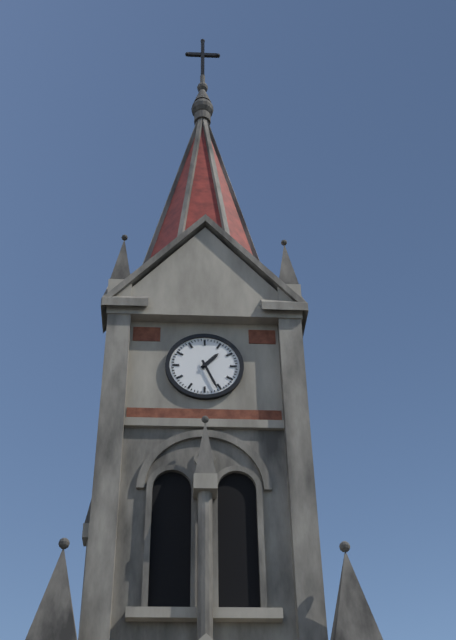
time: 1:26
